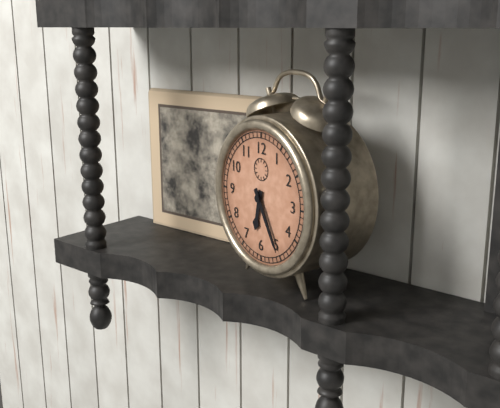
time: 6:25
